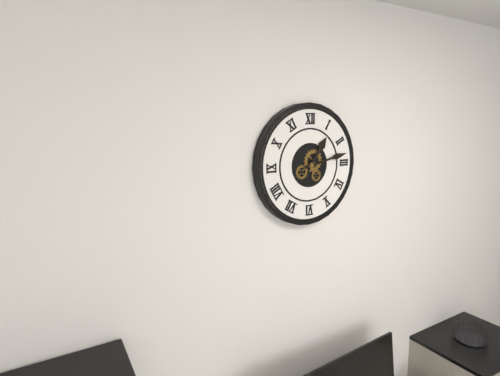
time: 1:13
